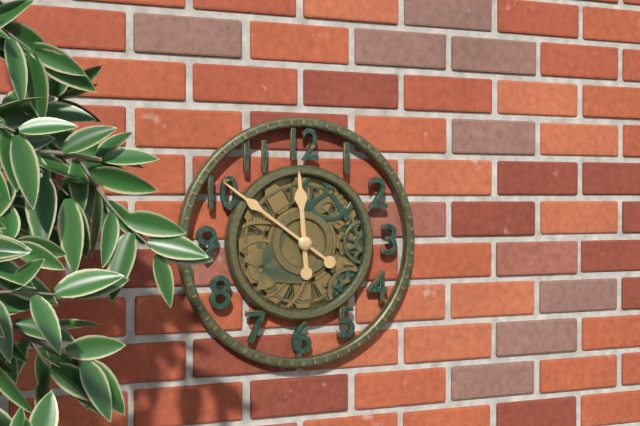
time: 11:51
